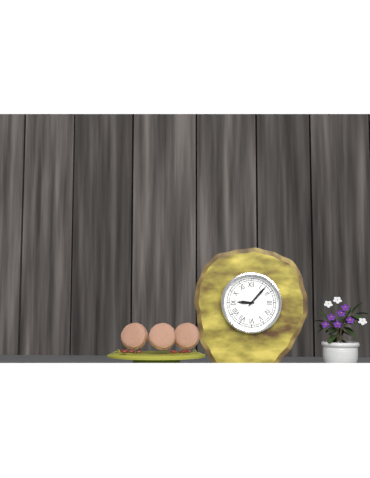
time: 9:07
